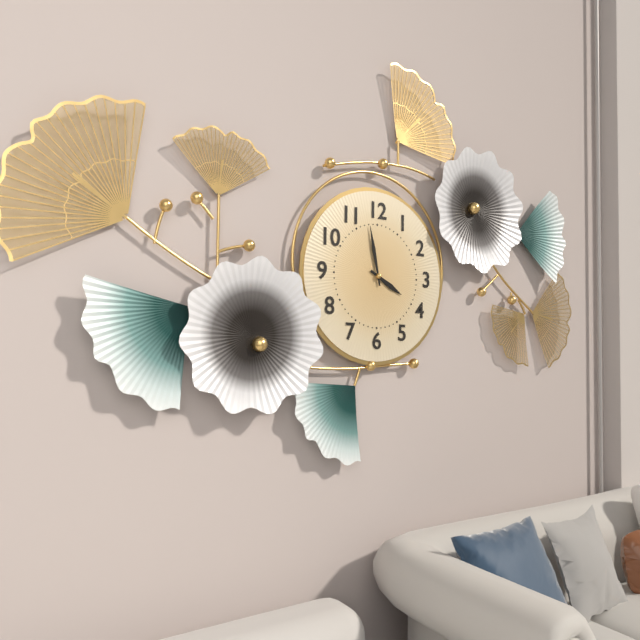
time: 3:58
